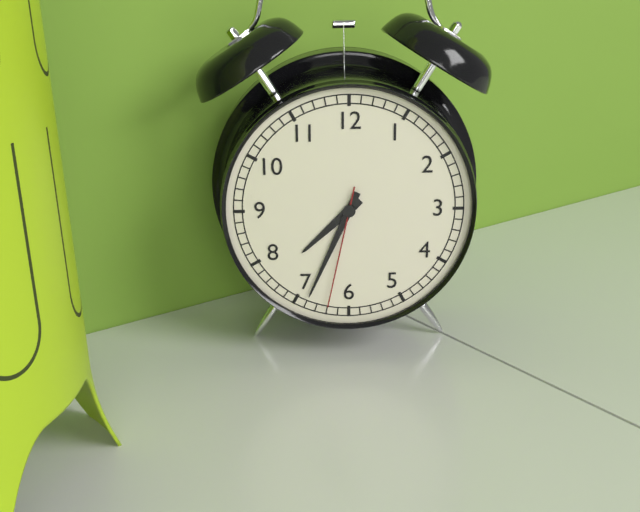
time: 7:34:32
